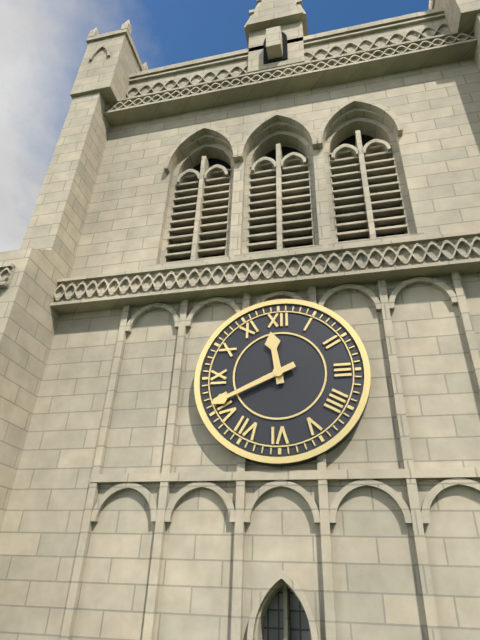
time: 11:41
